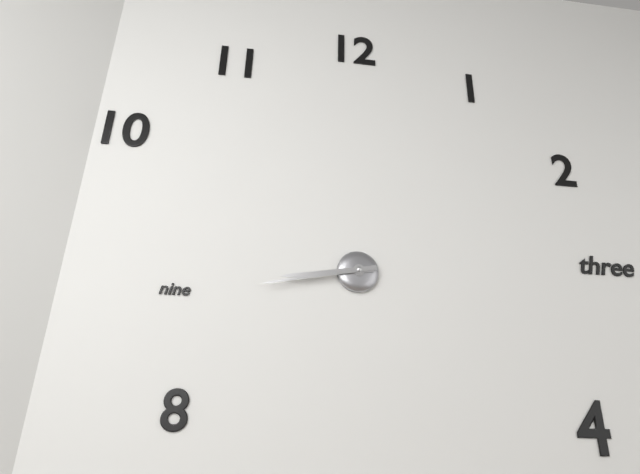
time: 8:43
